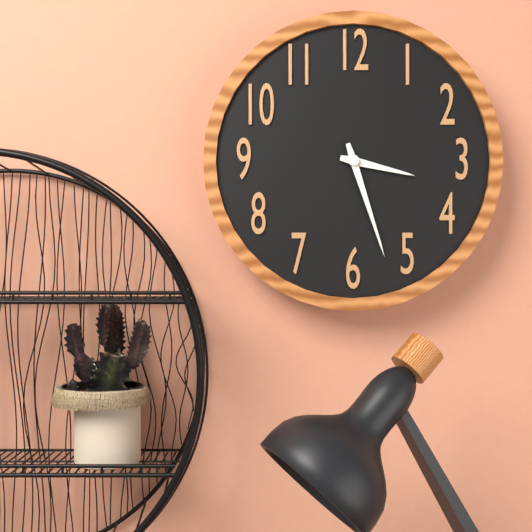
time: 3:27
